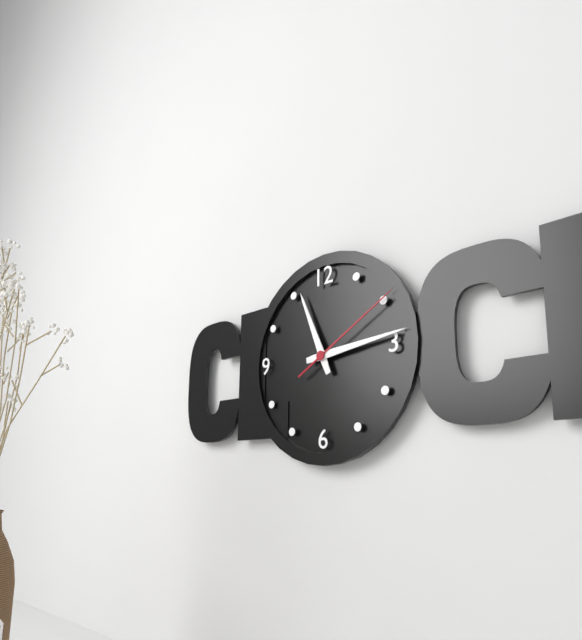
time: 11:14:10
